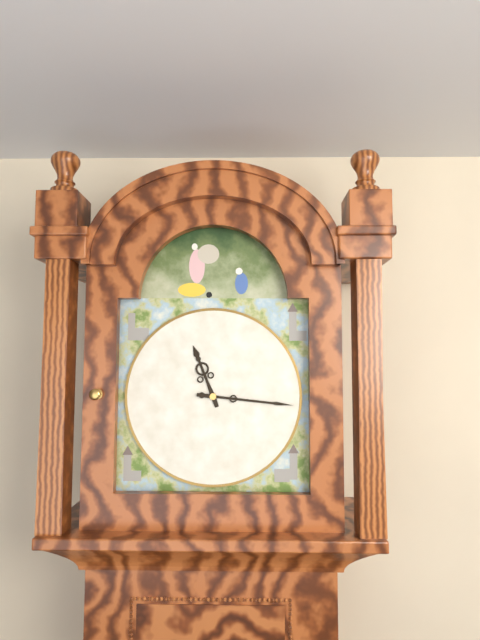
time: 11:16
